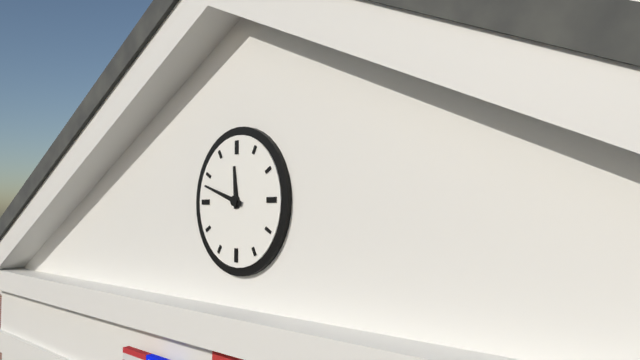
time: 11:48
